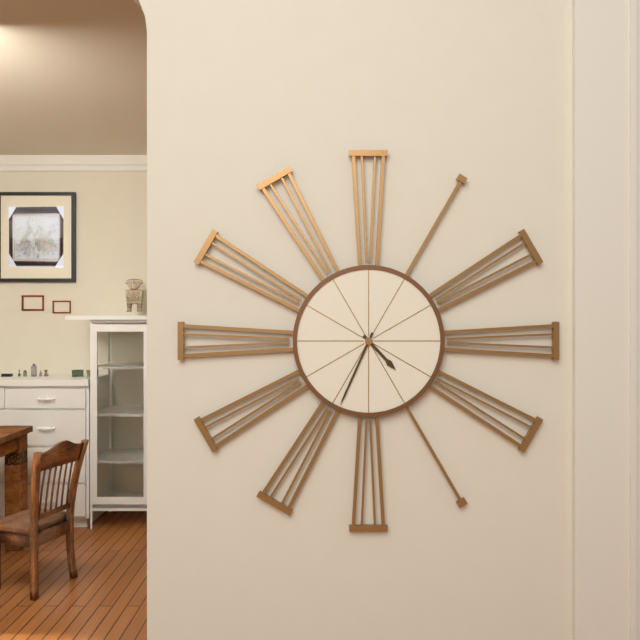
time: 4:34
